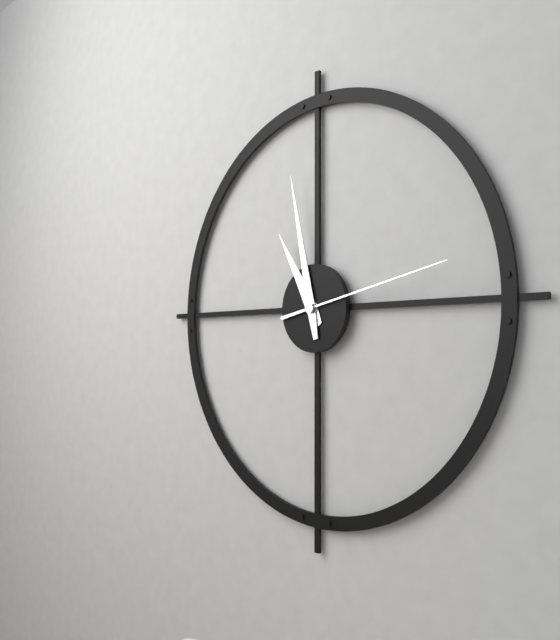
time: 10:58:13
